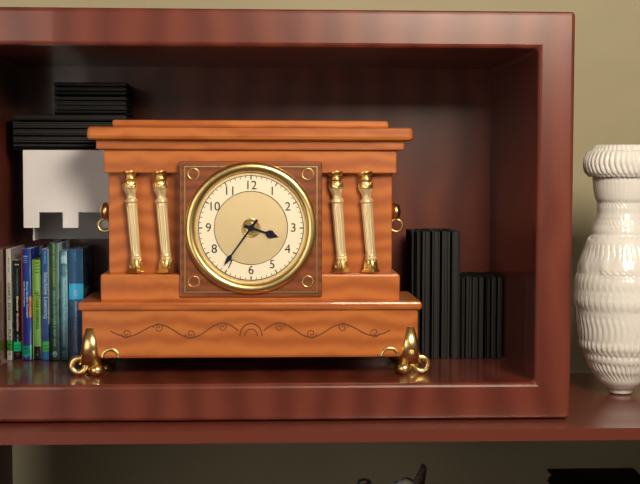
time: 3:36
